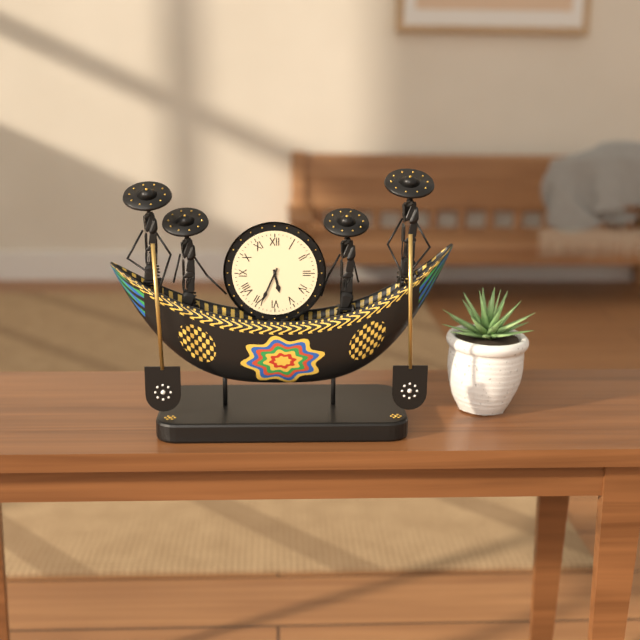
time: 5:34
